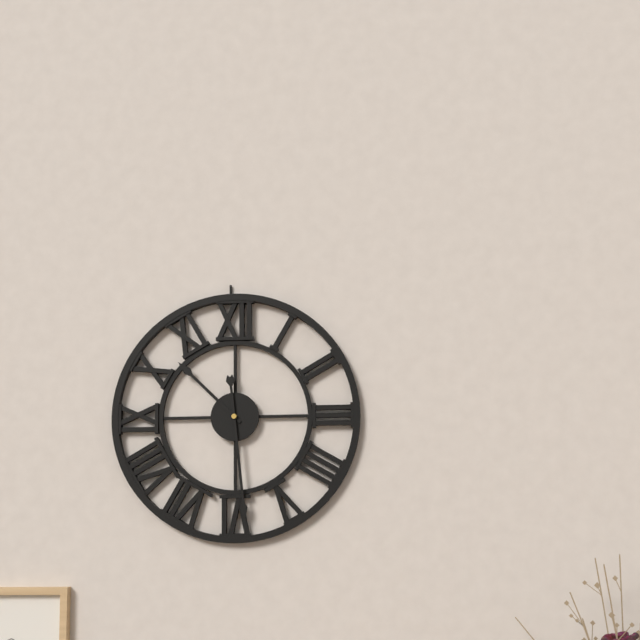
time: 10:29
